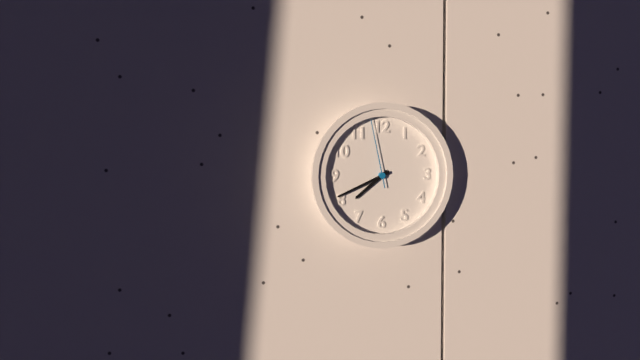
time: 7:41:58
